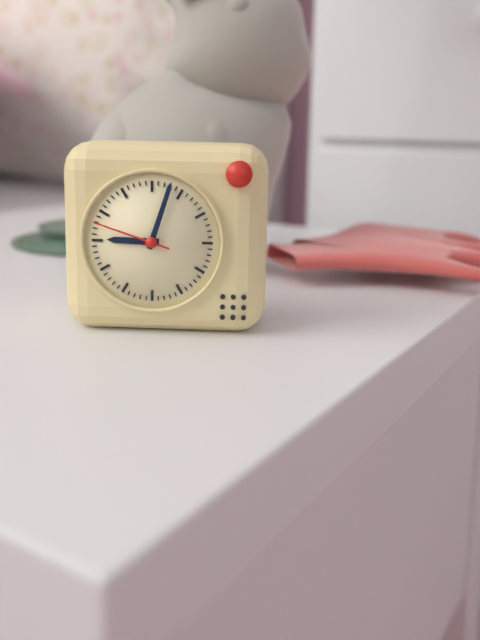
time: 9:03:48
